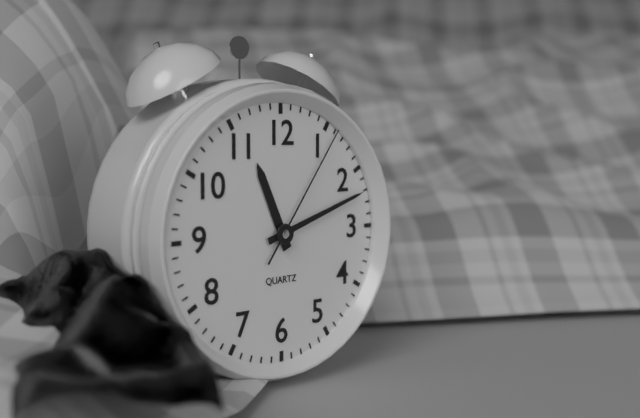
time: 11:12:06
